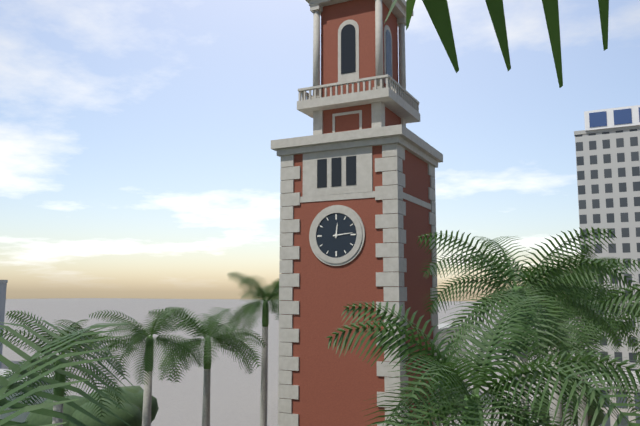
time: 12:14
